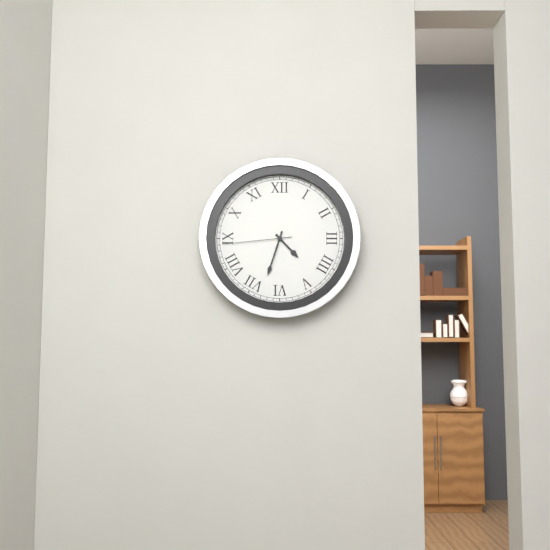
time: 4:33:44
